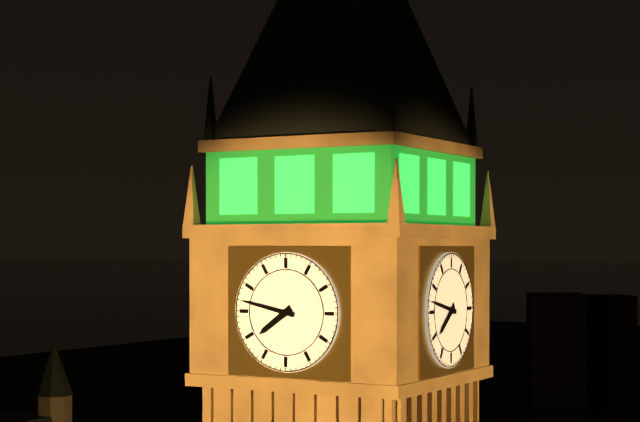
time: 7:47
